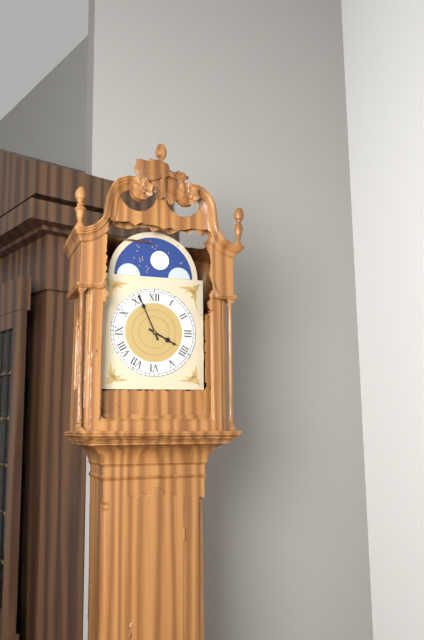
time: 3:56
